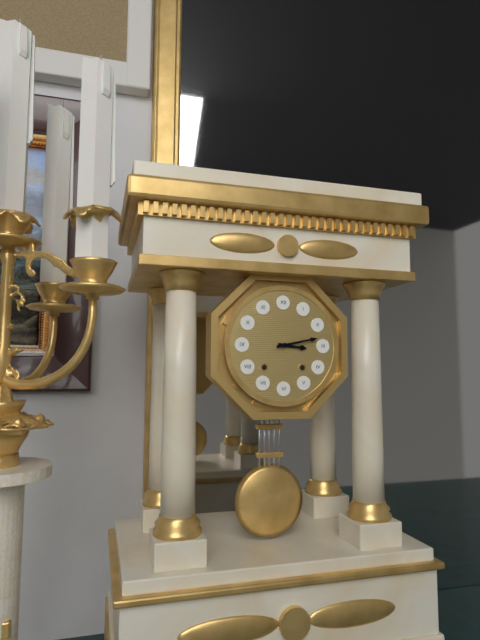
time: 3:13
